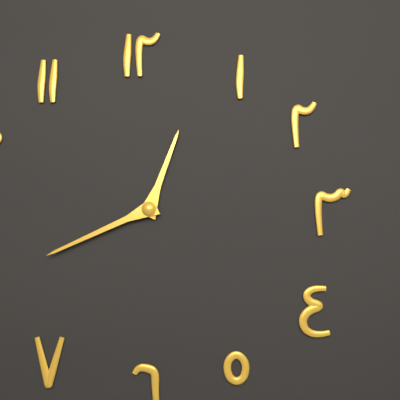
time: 12:41
